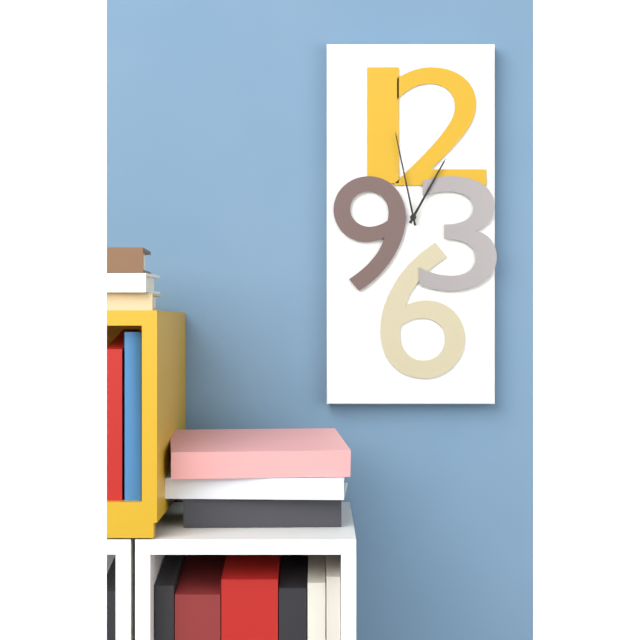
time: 12:58
